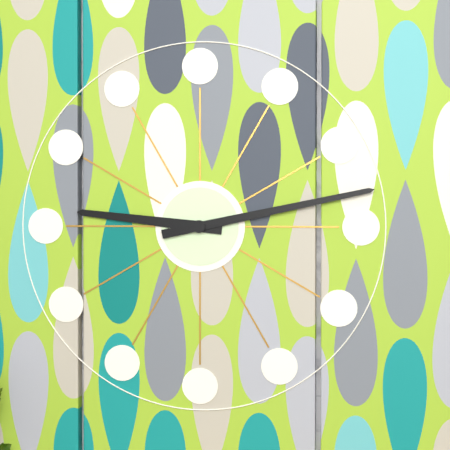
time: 9:13
